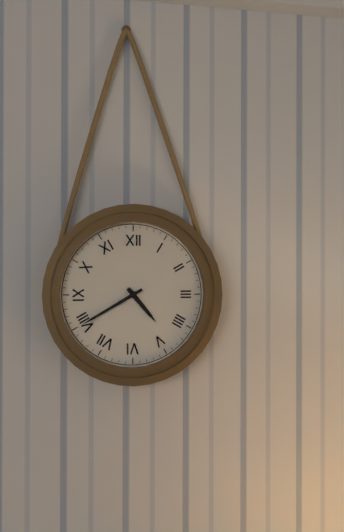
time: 4:40
